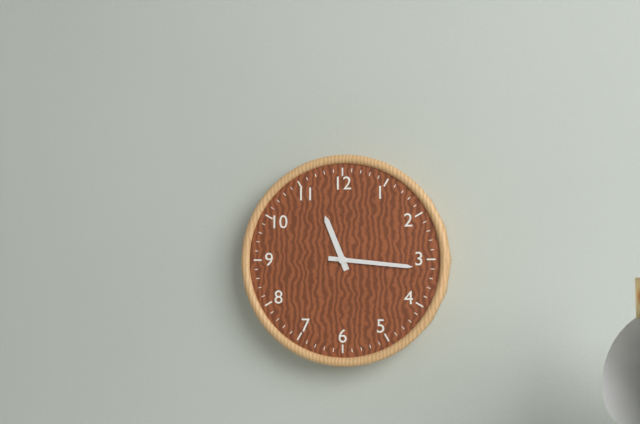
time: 11:16
